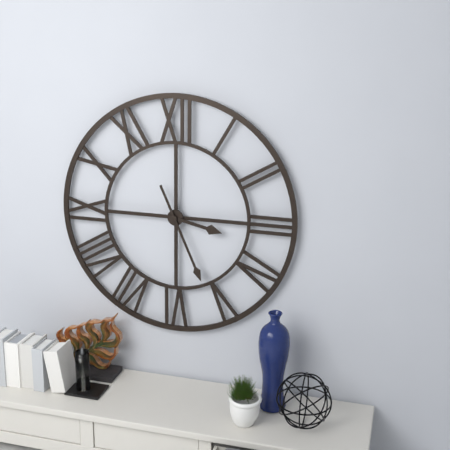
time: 3:26
